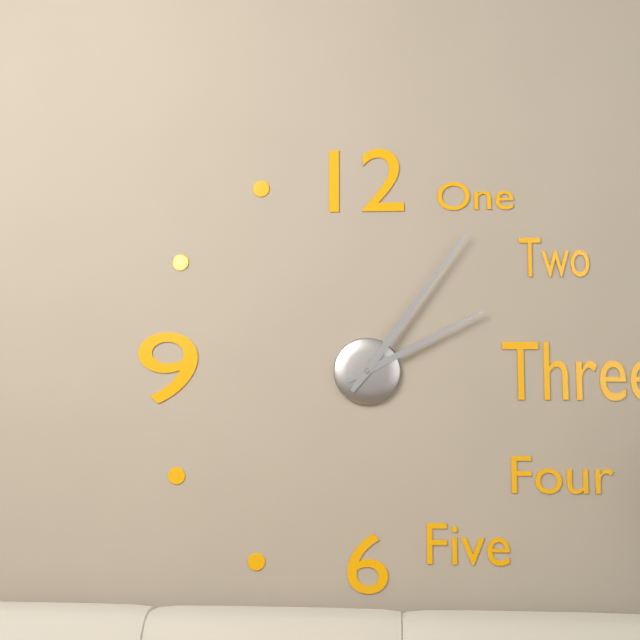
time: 2:06
